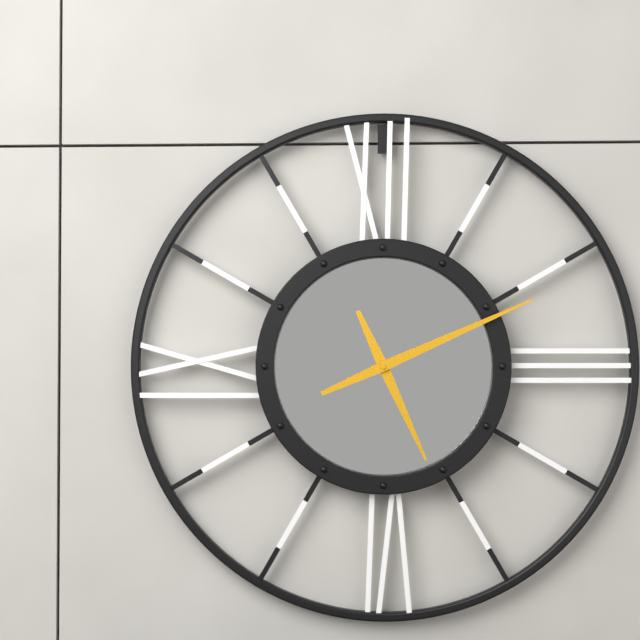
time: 5:11
